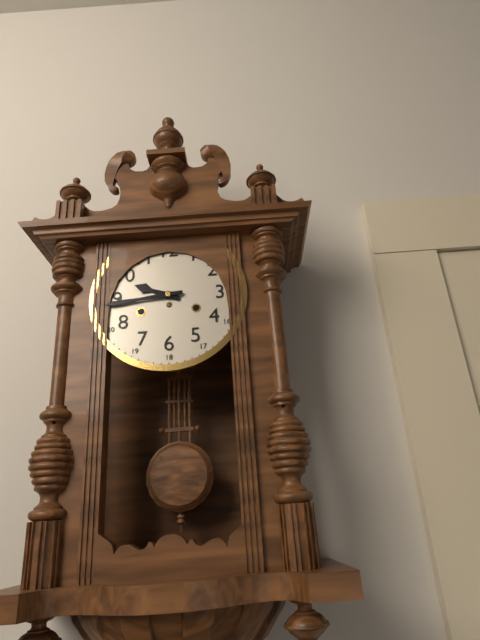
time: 9:44
